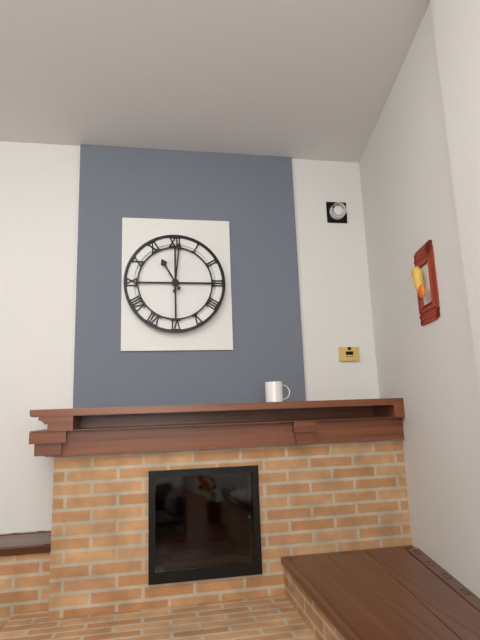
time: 11:01
